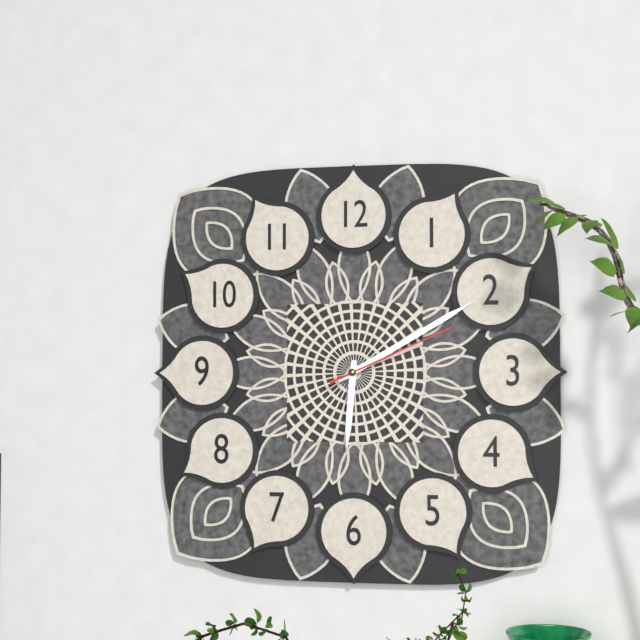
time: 6:10:11
